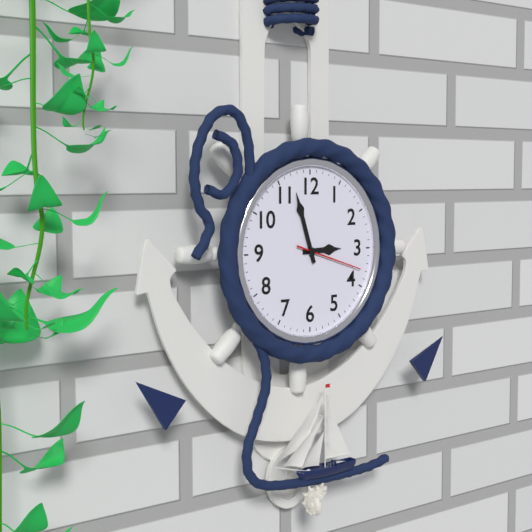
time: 2:57:18
